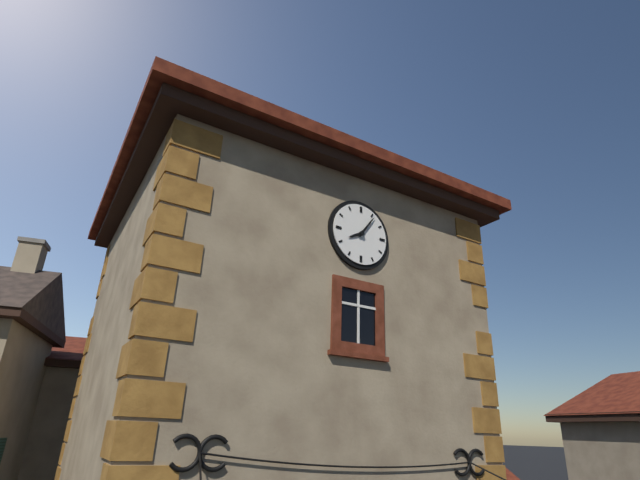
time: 8:06
